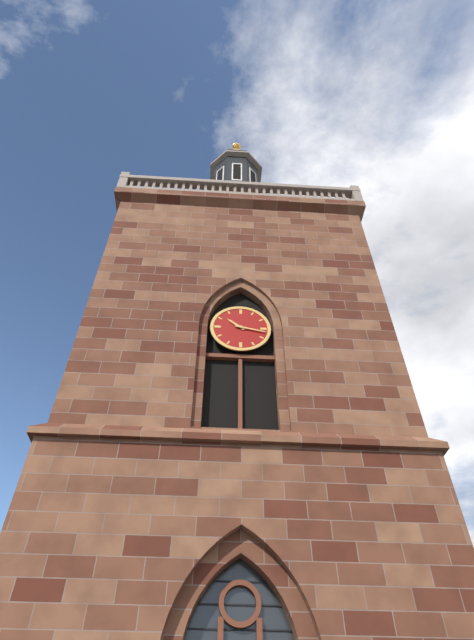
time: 10:17
